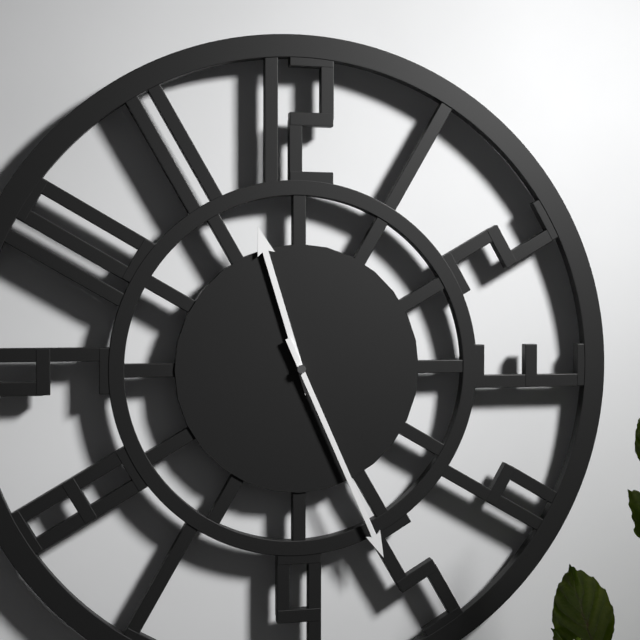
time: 11:26
